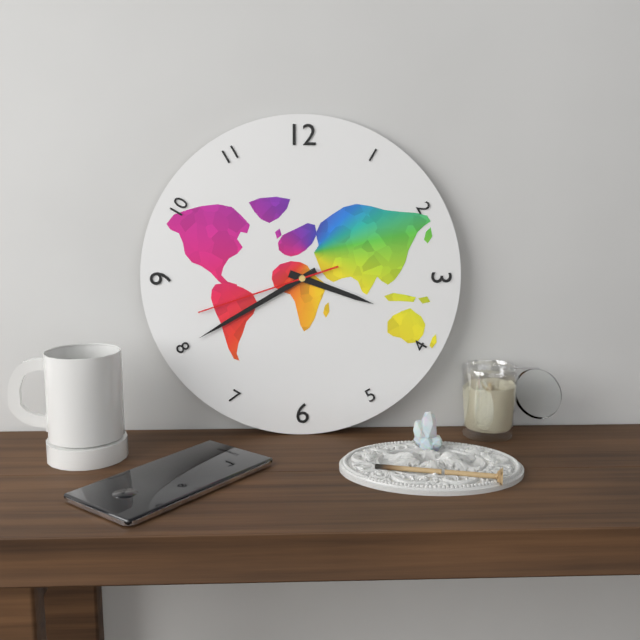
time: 3:40:42
